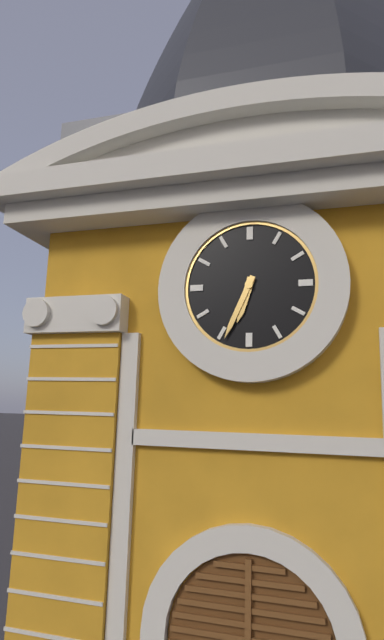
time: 6:34
